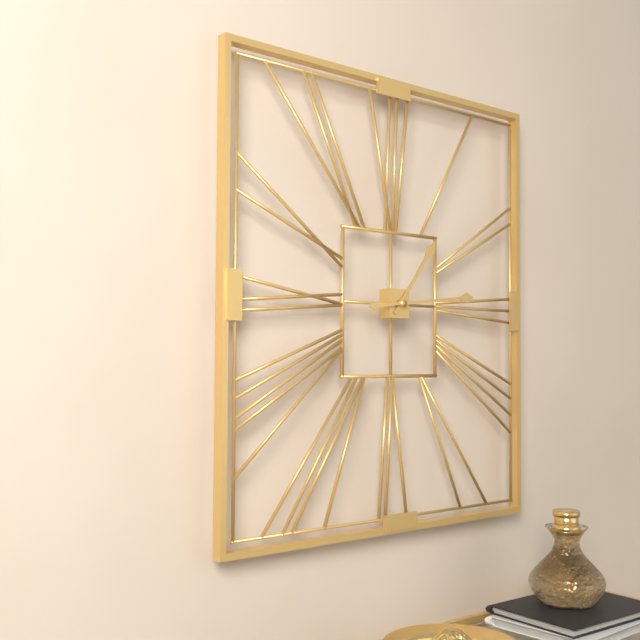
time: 1:14
